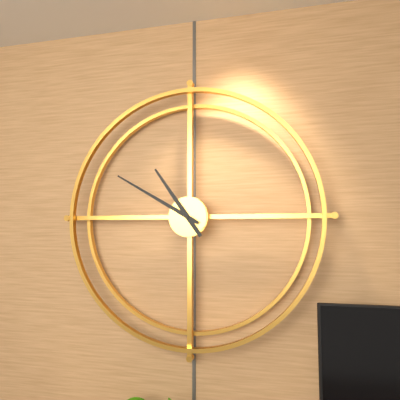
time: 10:50
